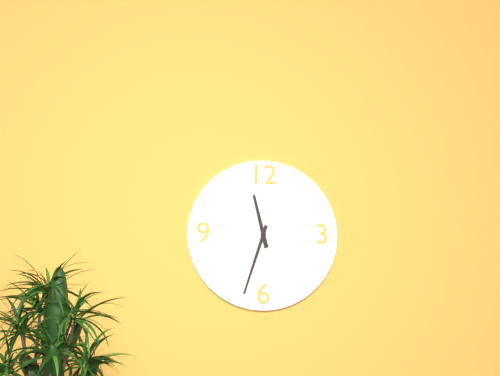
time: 11:33
